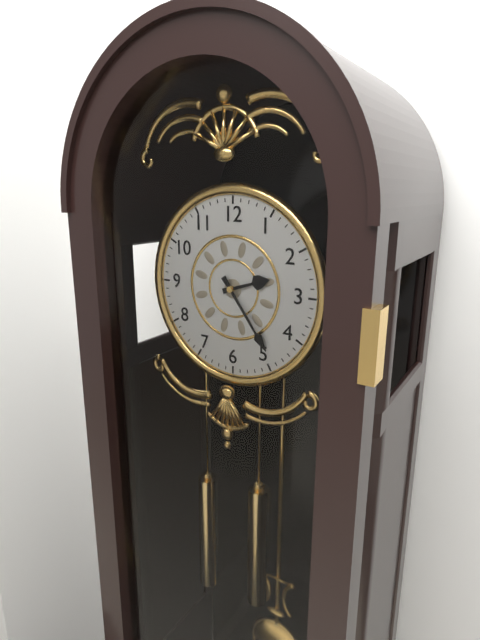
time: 2:24
